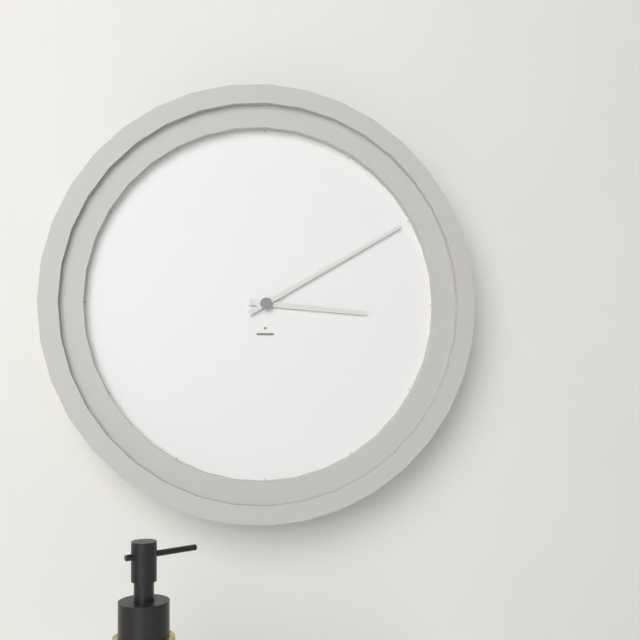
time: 3:10
